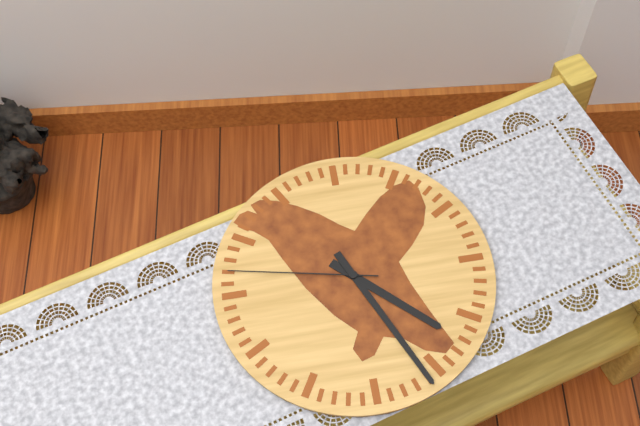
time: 4:26:47
